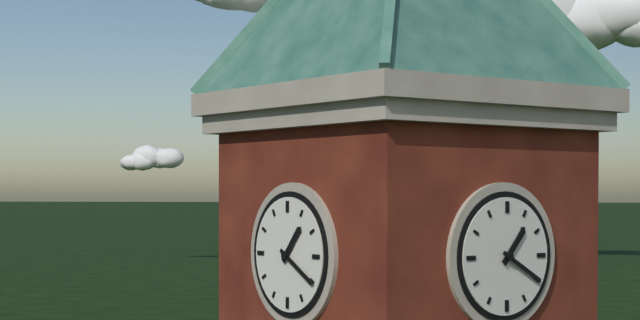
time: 1:20
